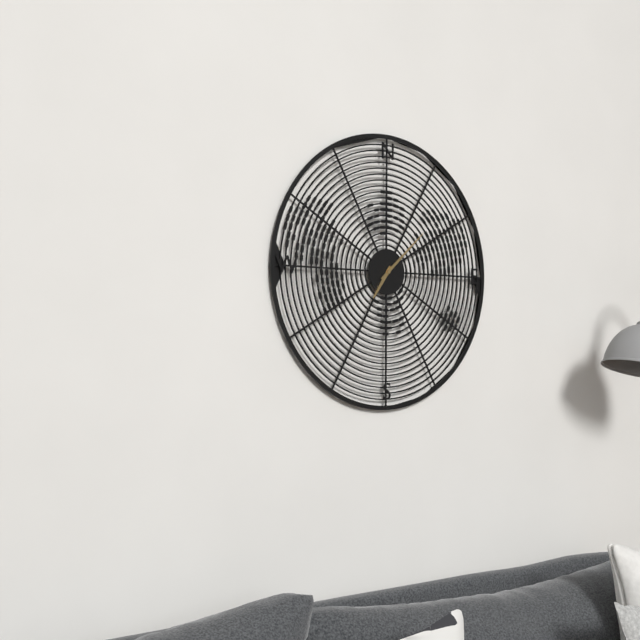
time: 7:08
